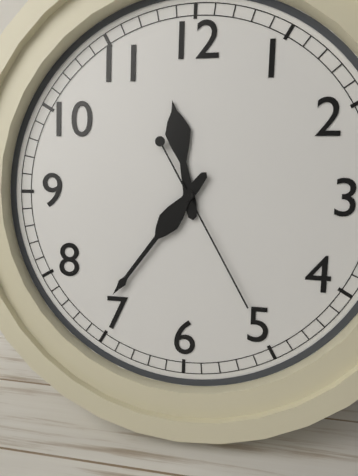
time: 11:36:25
